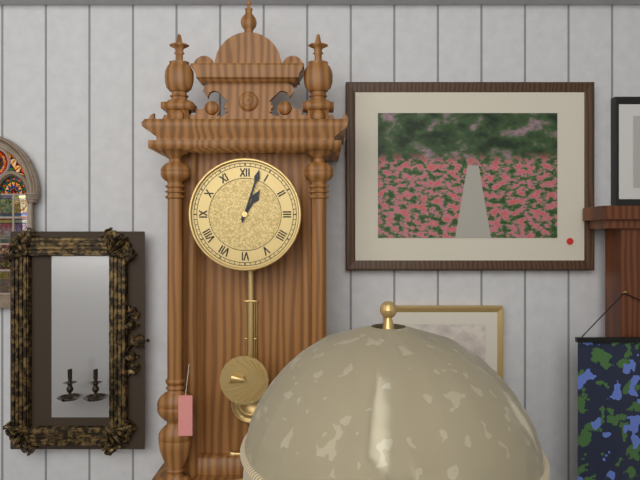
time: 1:03
